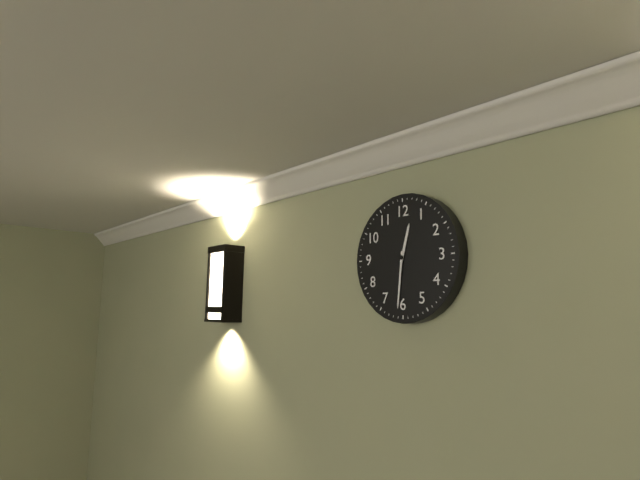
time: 12:31
